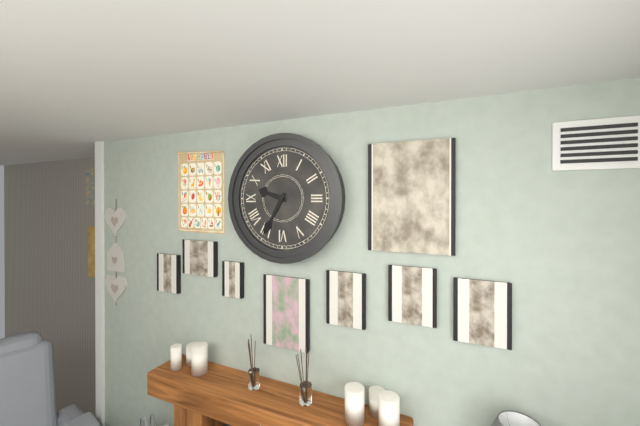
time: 9:35
